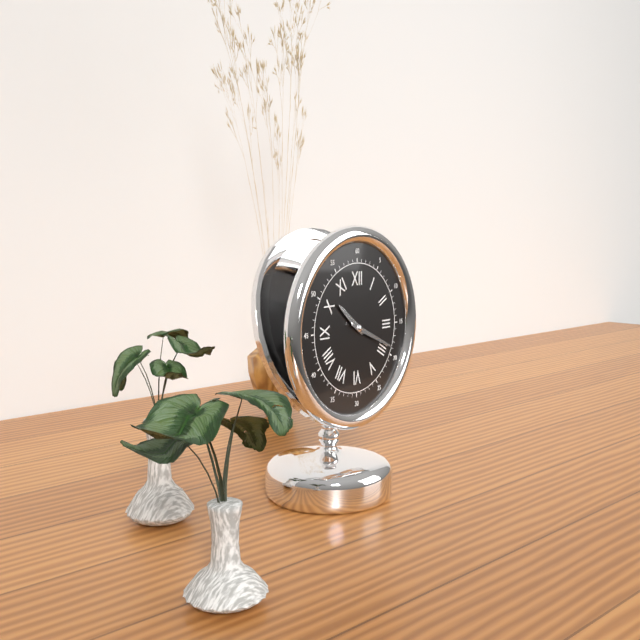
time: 10:19
